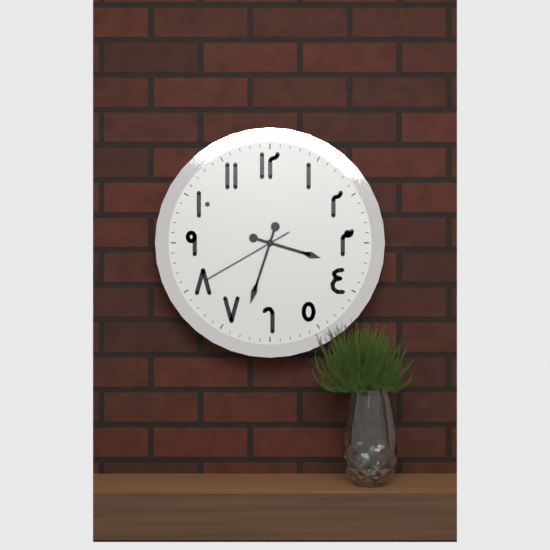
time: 3:33:40
